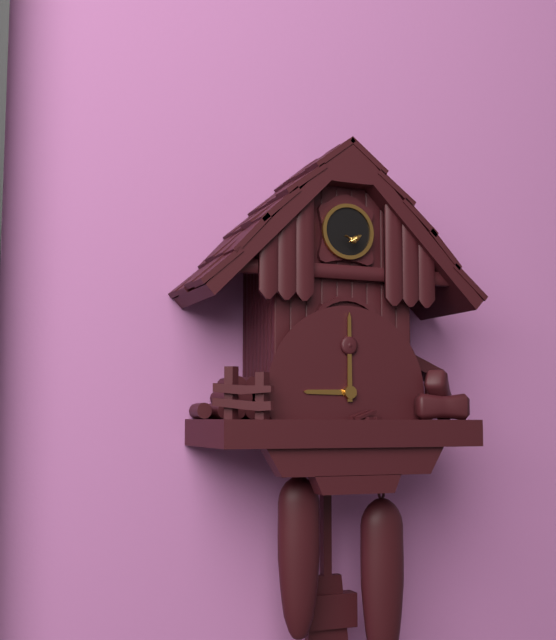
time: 9:00
